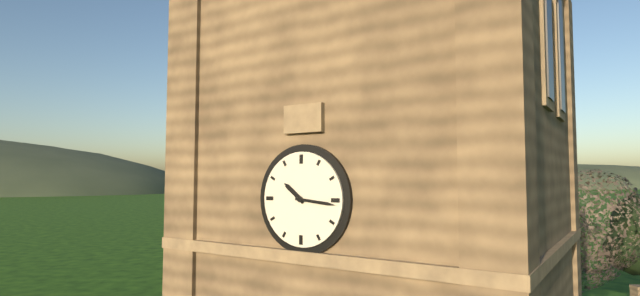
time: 10:16
